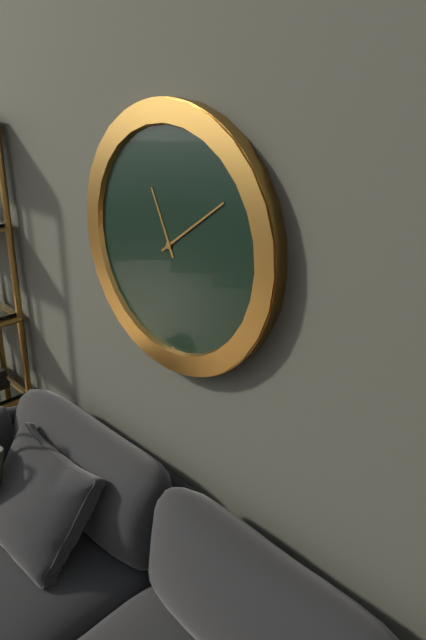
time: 11:09
